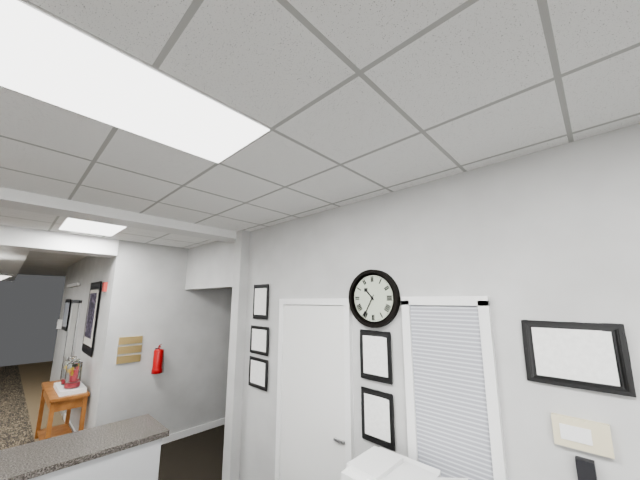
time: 10:35
